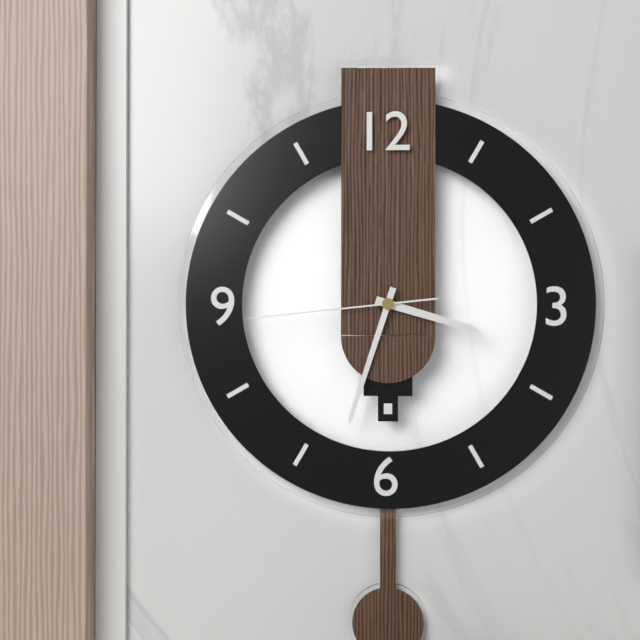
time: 3:33:44
